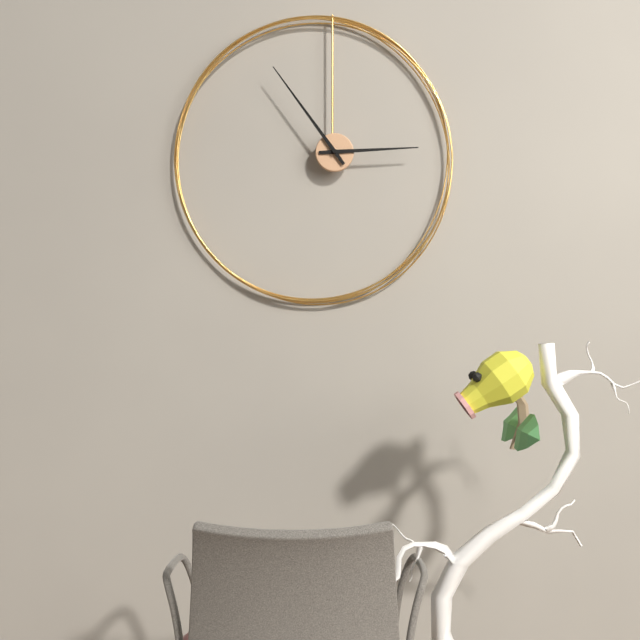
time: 2:54
